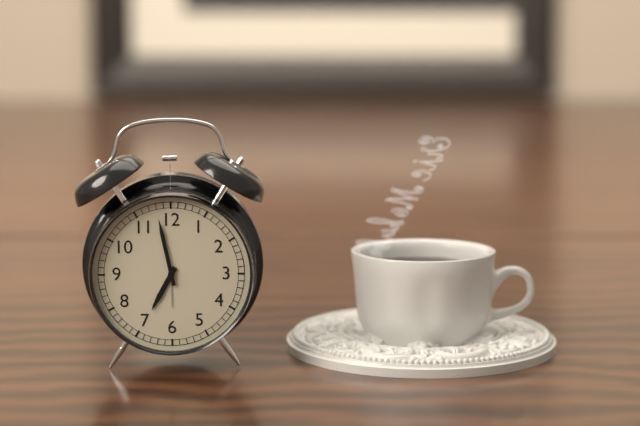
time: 6:58
